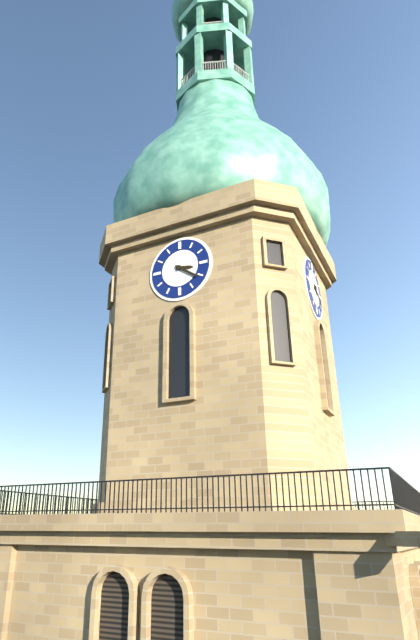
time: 3:21
